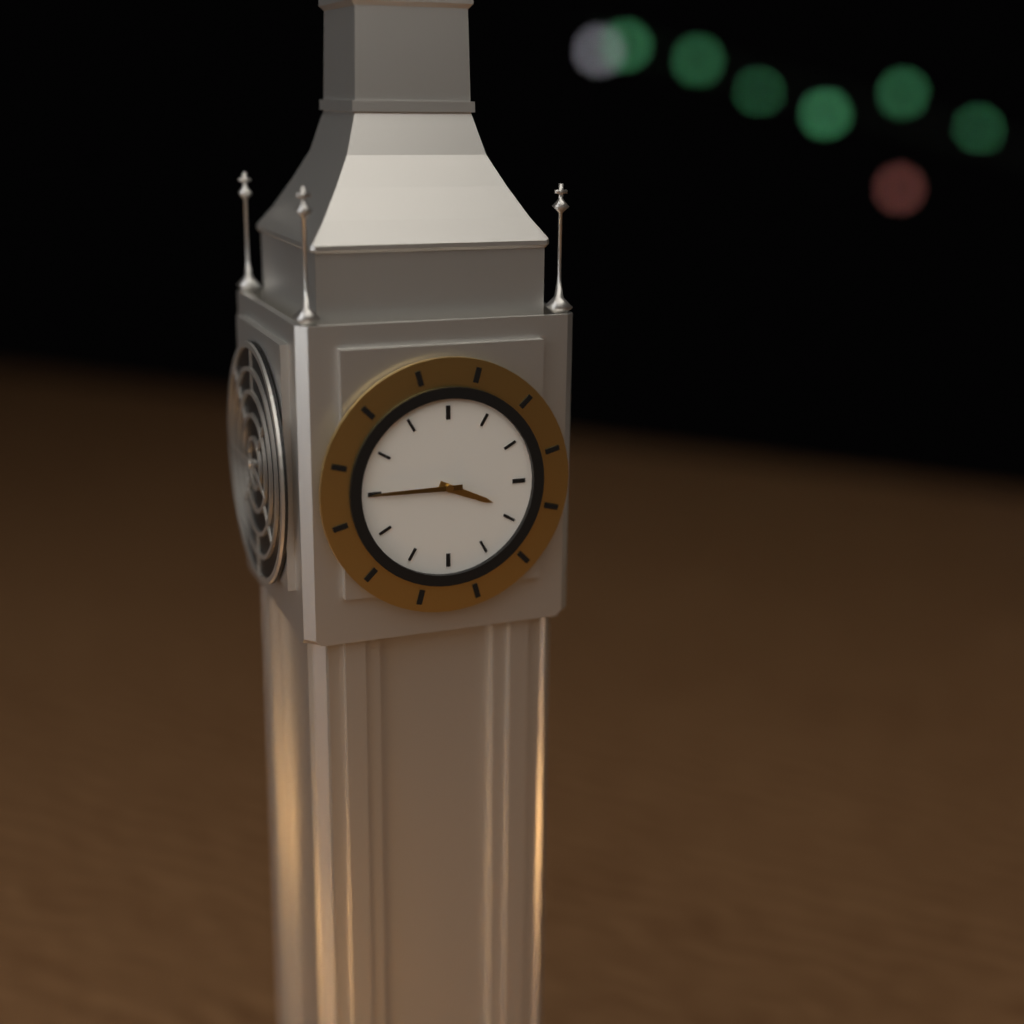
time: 3:45
